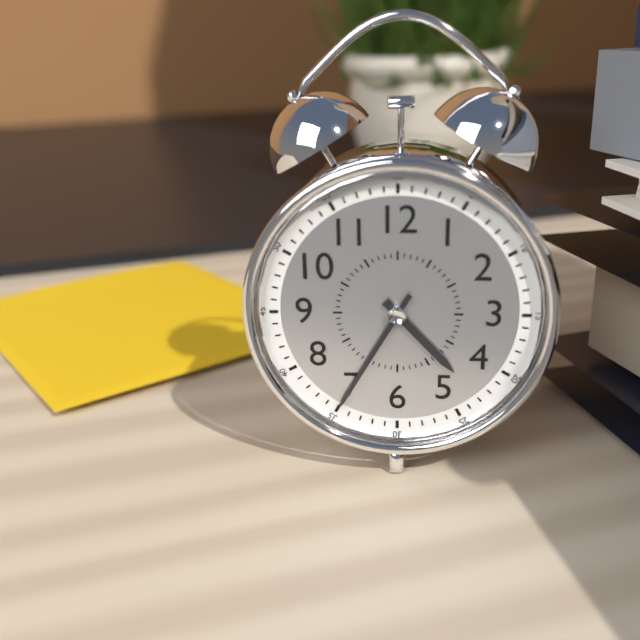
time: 4:35
